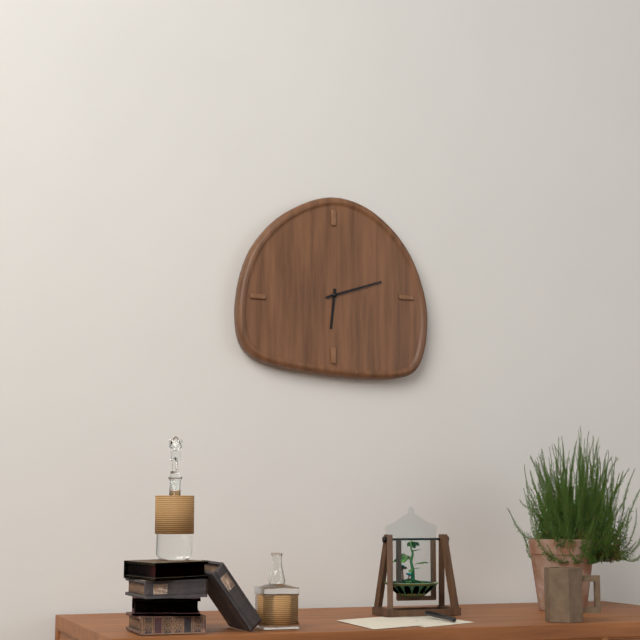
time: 6:12
